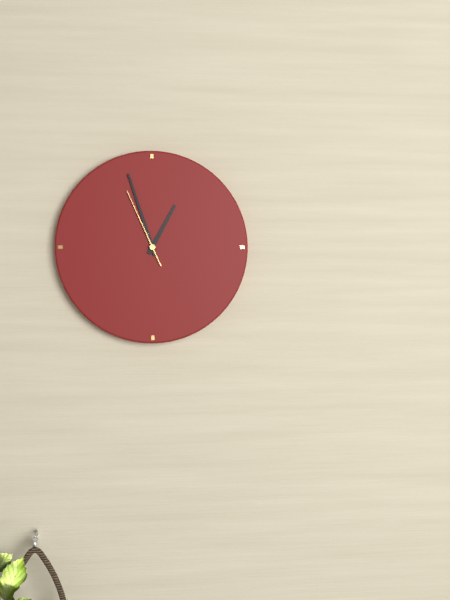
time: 12:57:56
